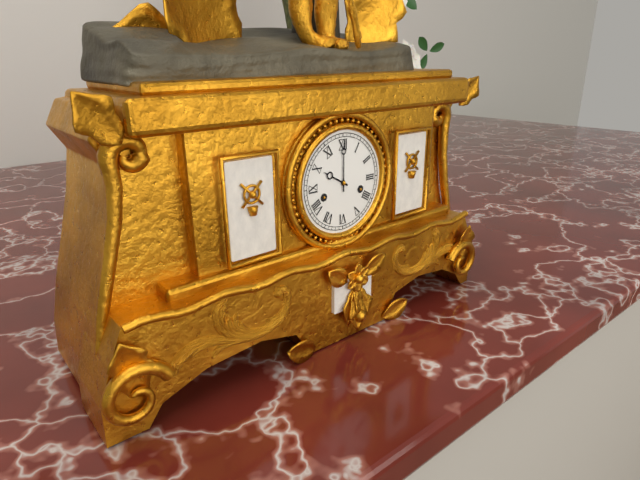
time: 10:00
